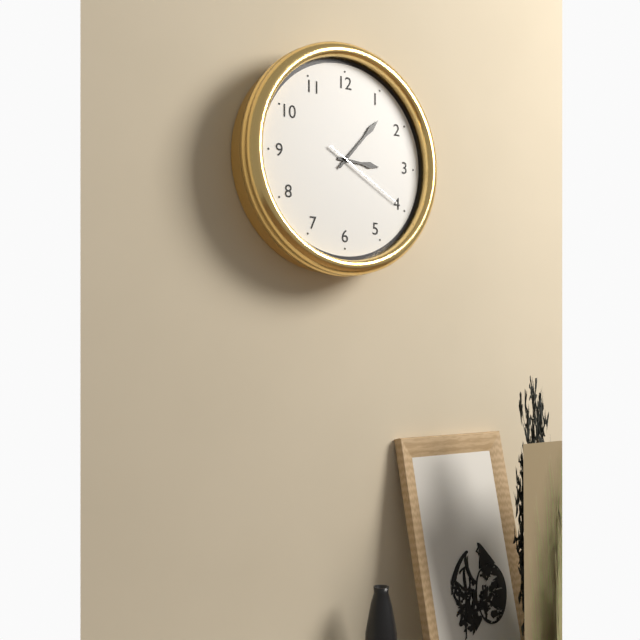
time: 3:07:20
